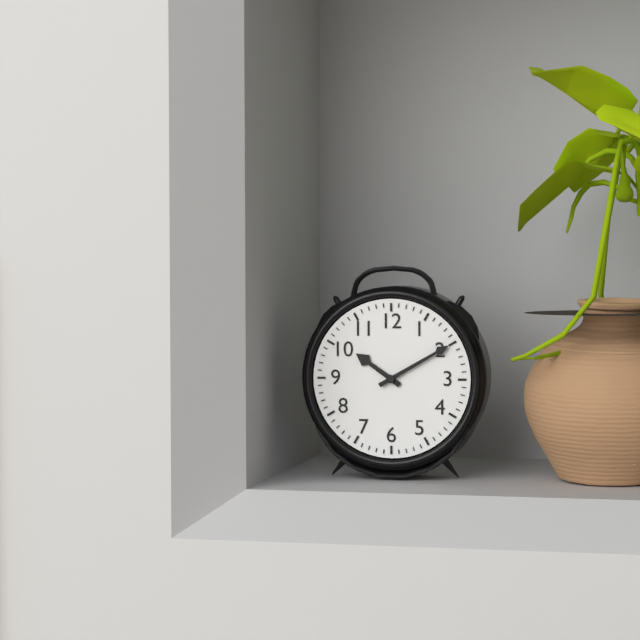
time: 10:10
